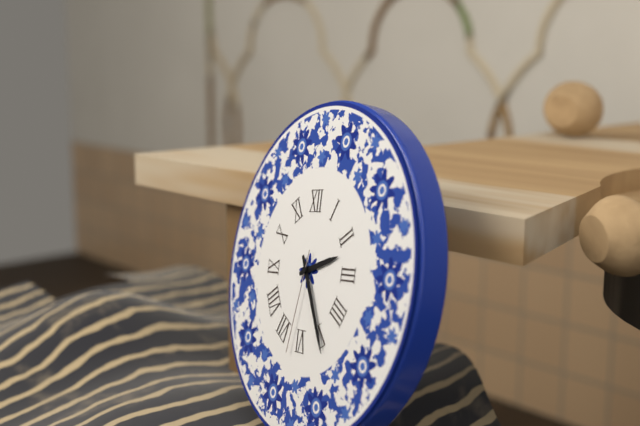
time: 2:25:32
